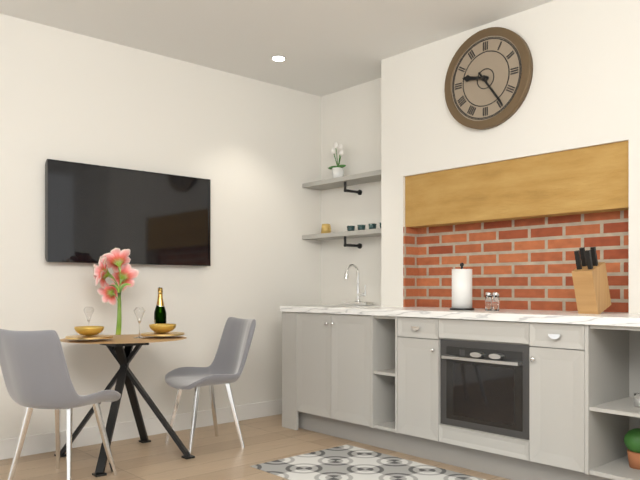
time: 9:24
